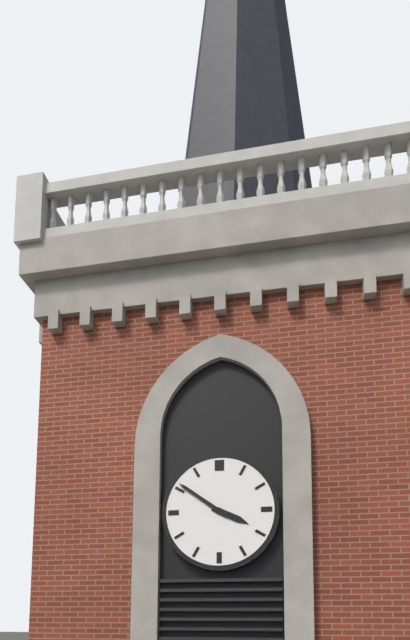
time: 3:51
